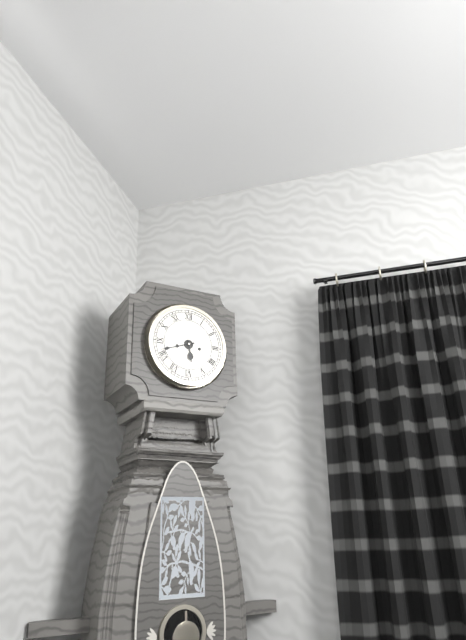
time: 5:42
